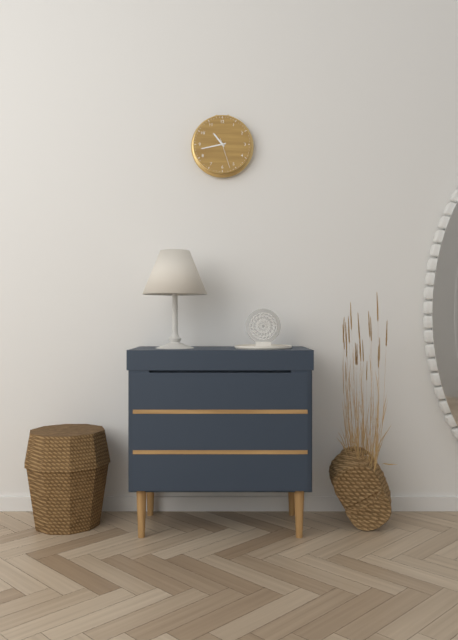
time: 10:43
